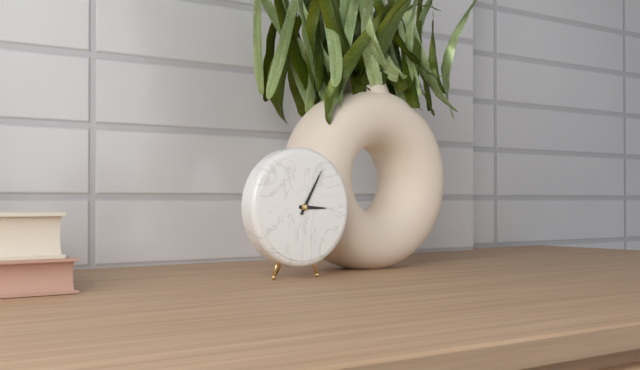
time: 3:05
